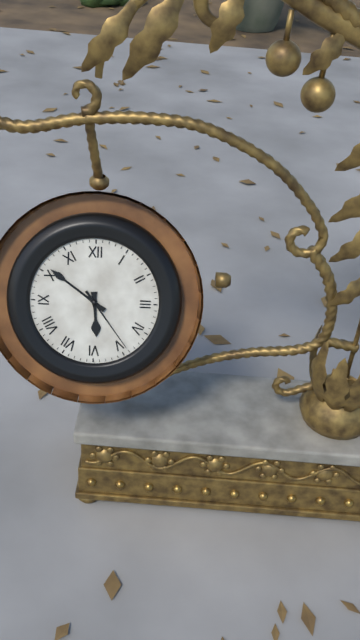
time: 5:51:24
